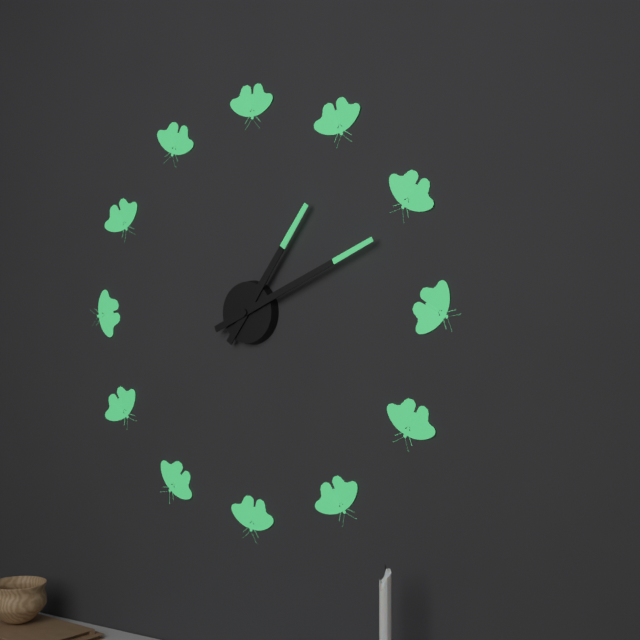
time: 1:11
